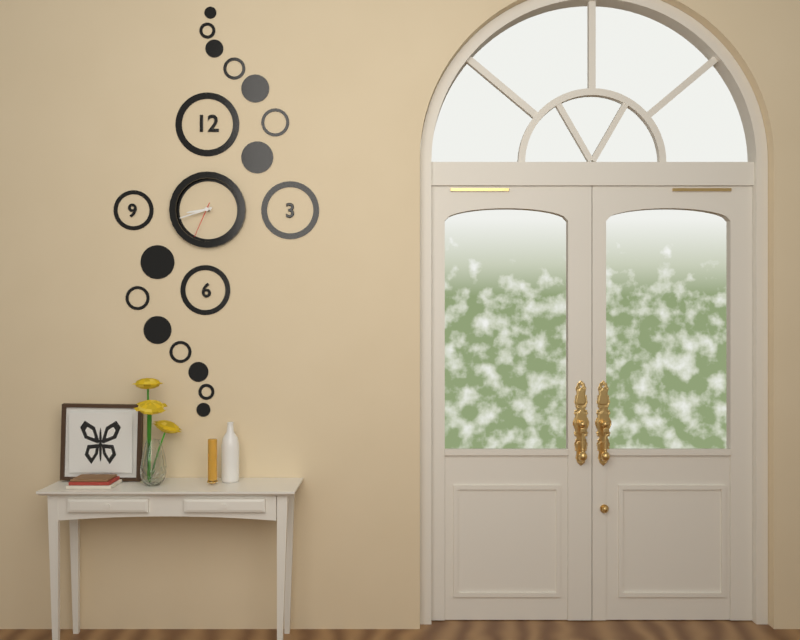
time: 8:42
